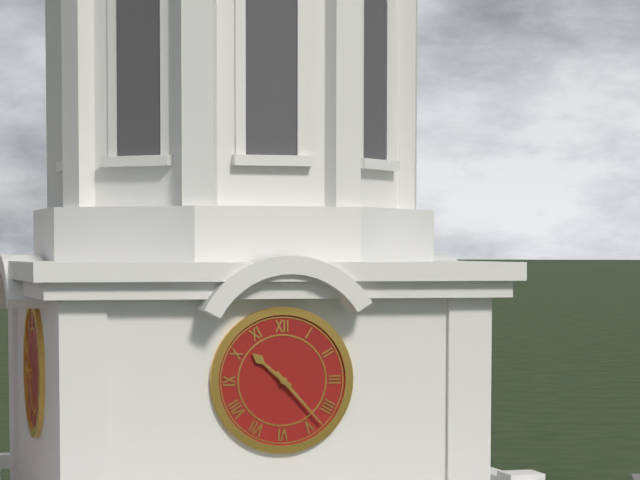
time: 10:23
